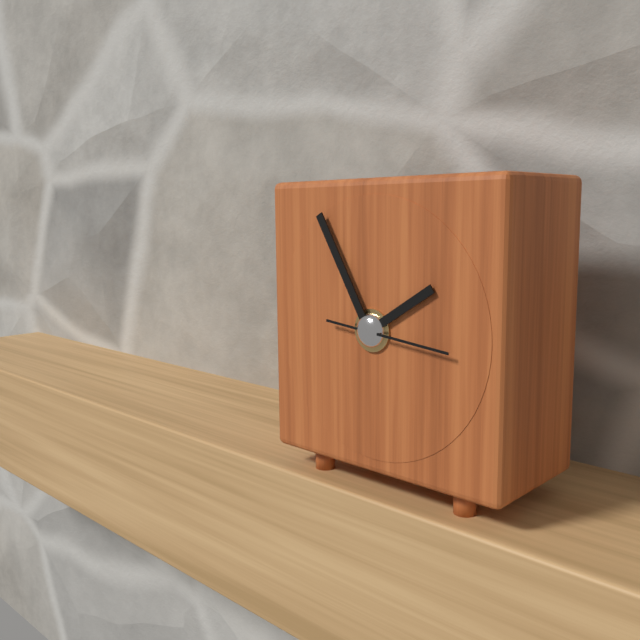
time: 1:55:16
